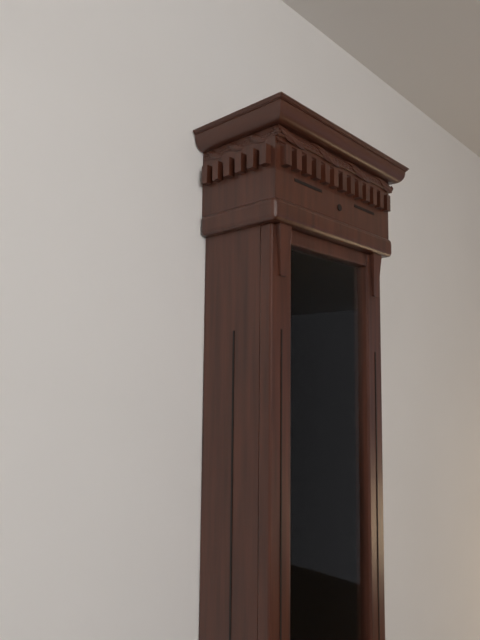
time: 2:23
